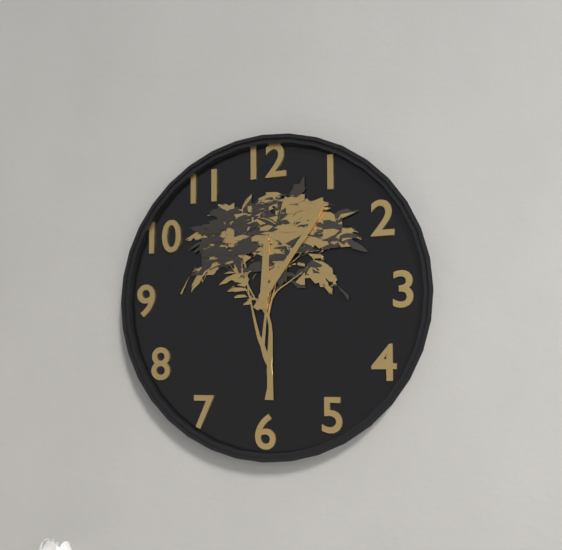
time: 12:06
